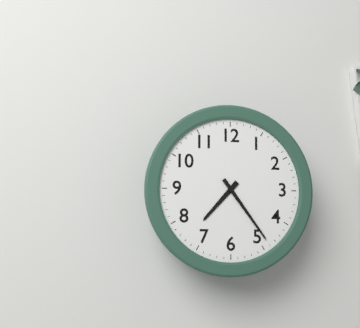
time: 7:24
